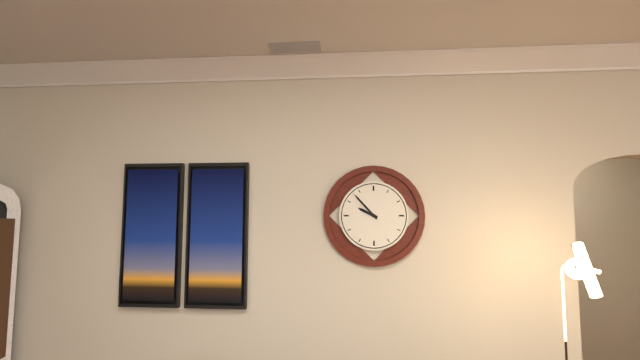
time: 9:53
